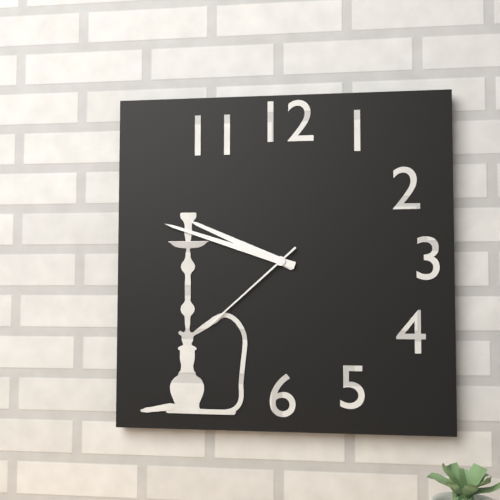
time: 9:48:38
